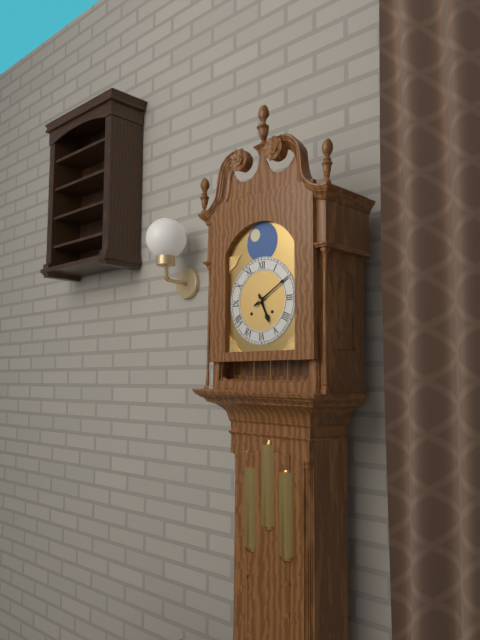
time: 5:10
